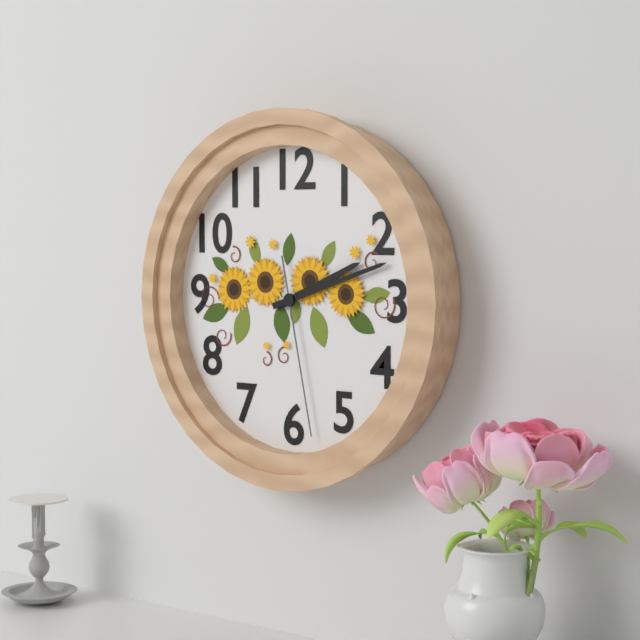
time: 2:12:28
